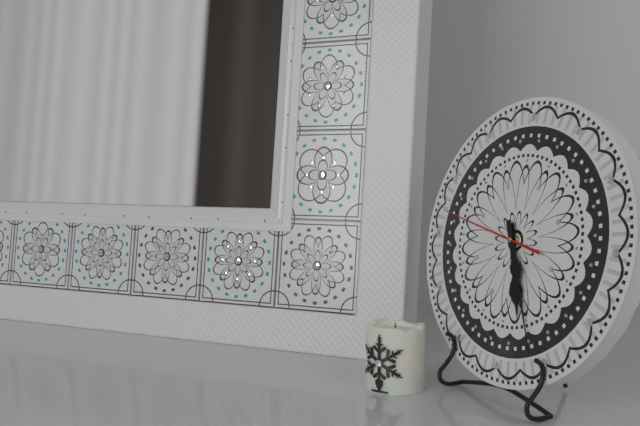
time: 5:26:47
